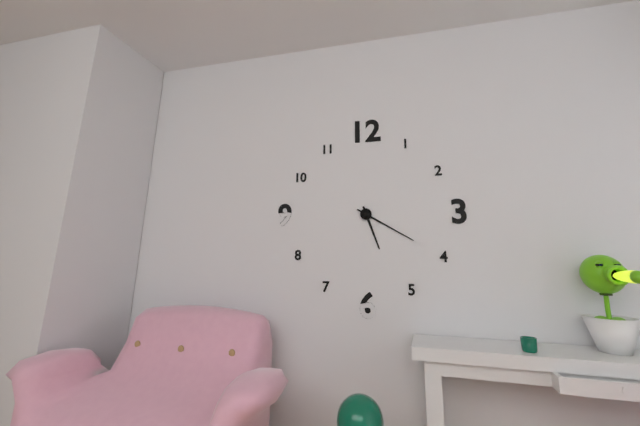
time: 5:20
